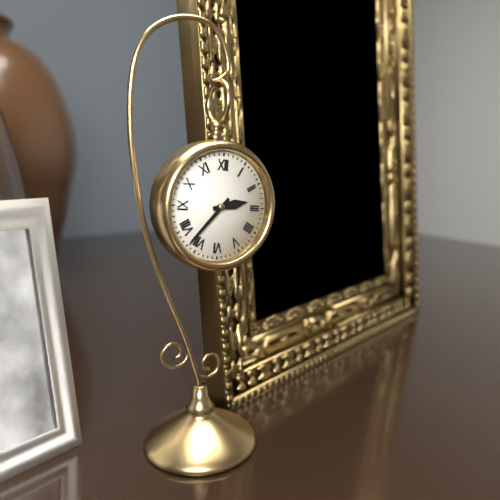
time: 2:37
